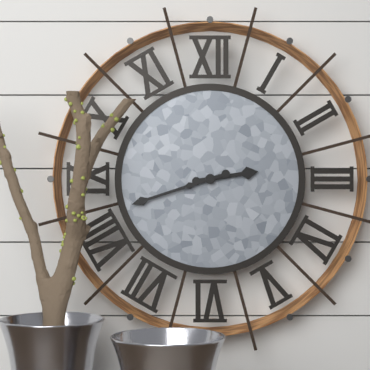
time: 2:42
